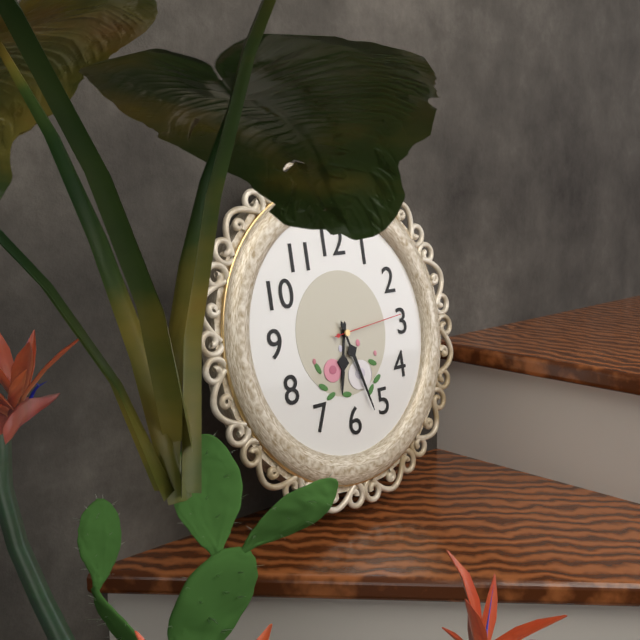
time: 6:27:14
